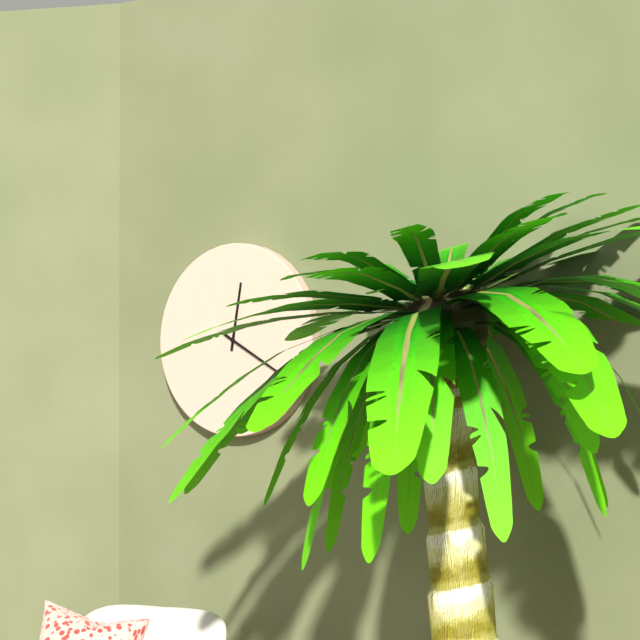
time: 12:20
